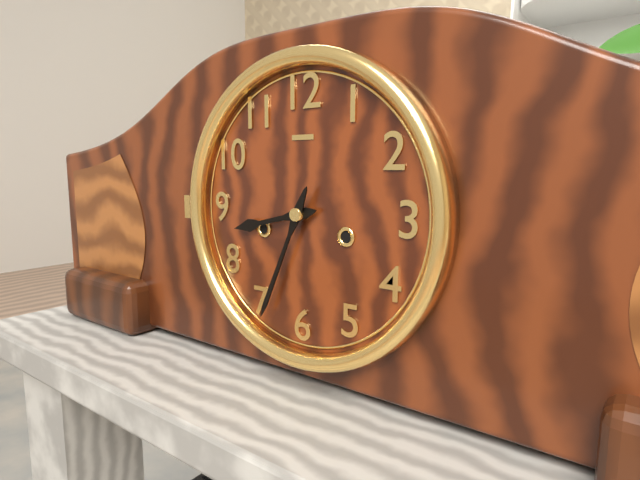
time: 8:34
